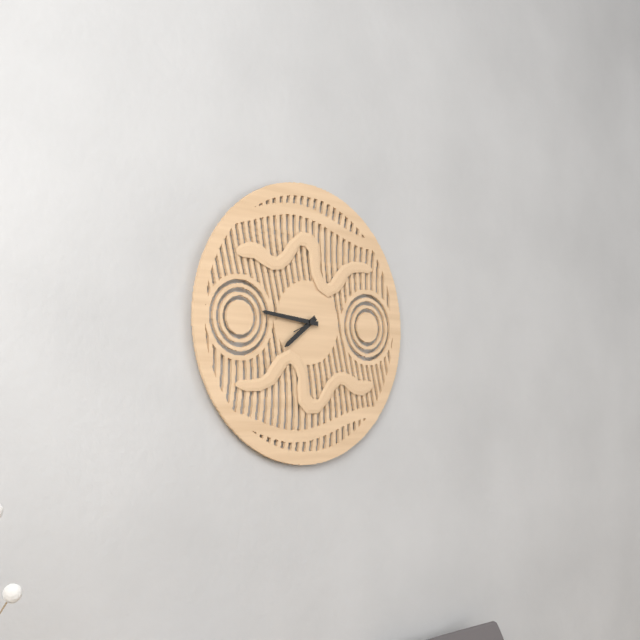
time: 7:46
